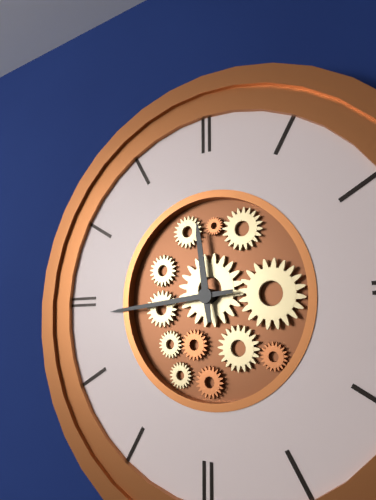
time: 11:44
